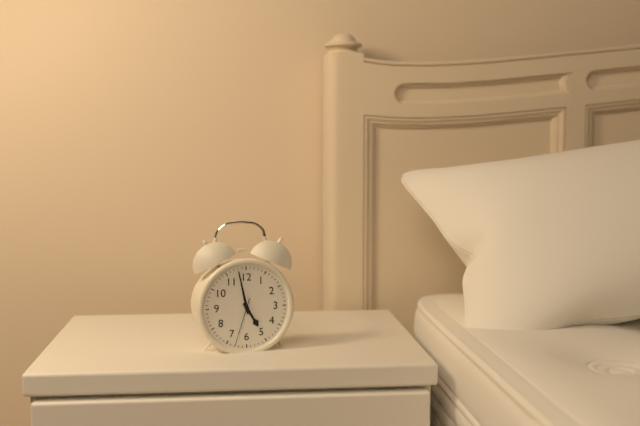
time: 4:58
